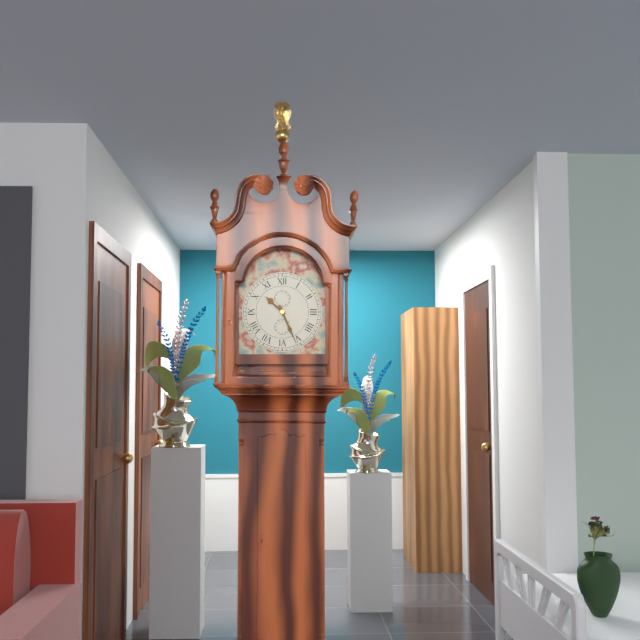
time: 10:26
